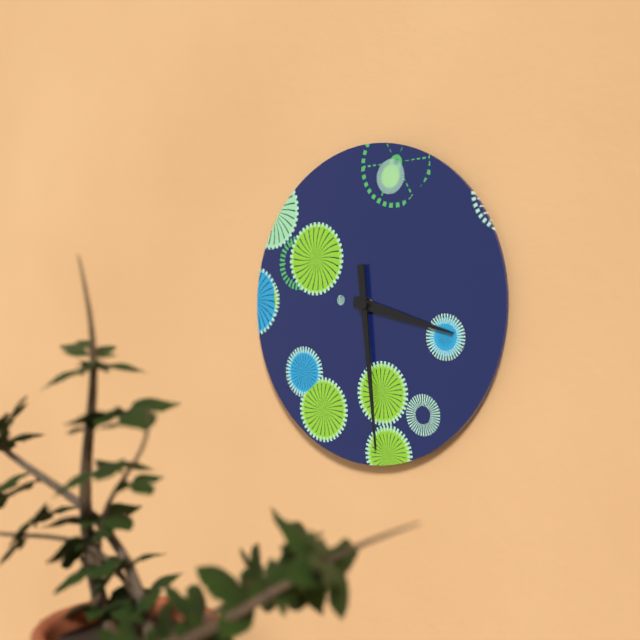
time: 3:29
